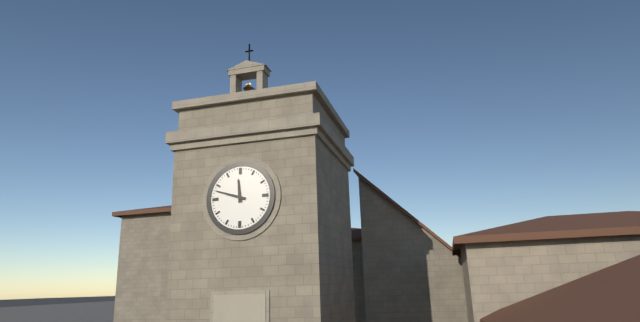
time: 11:48
